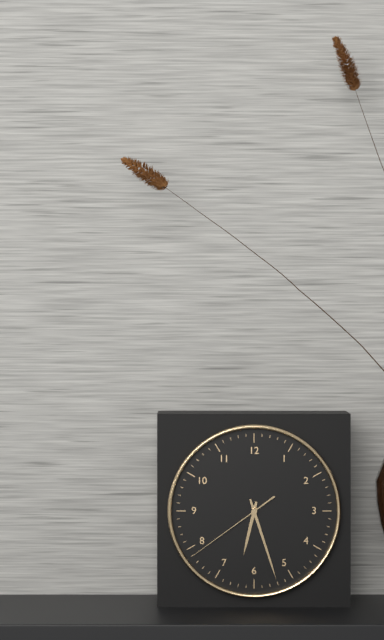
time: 6:27:39
